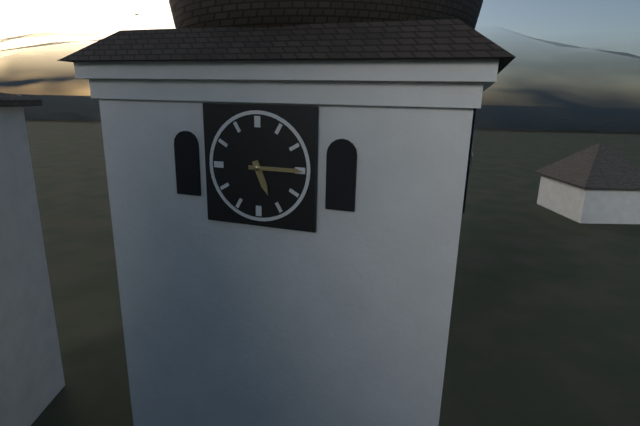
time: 5:15
